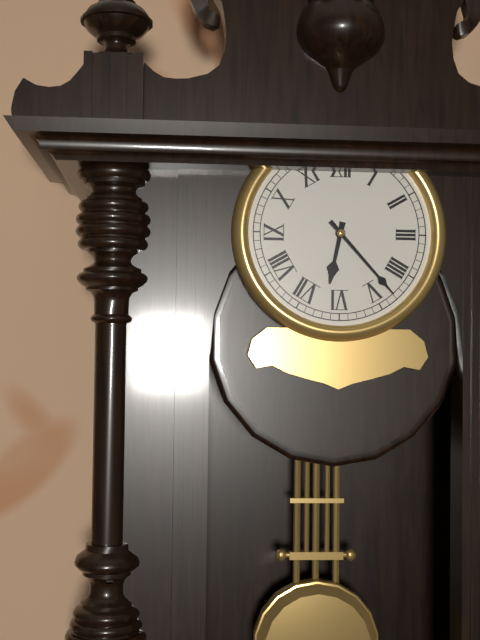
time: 6:23
